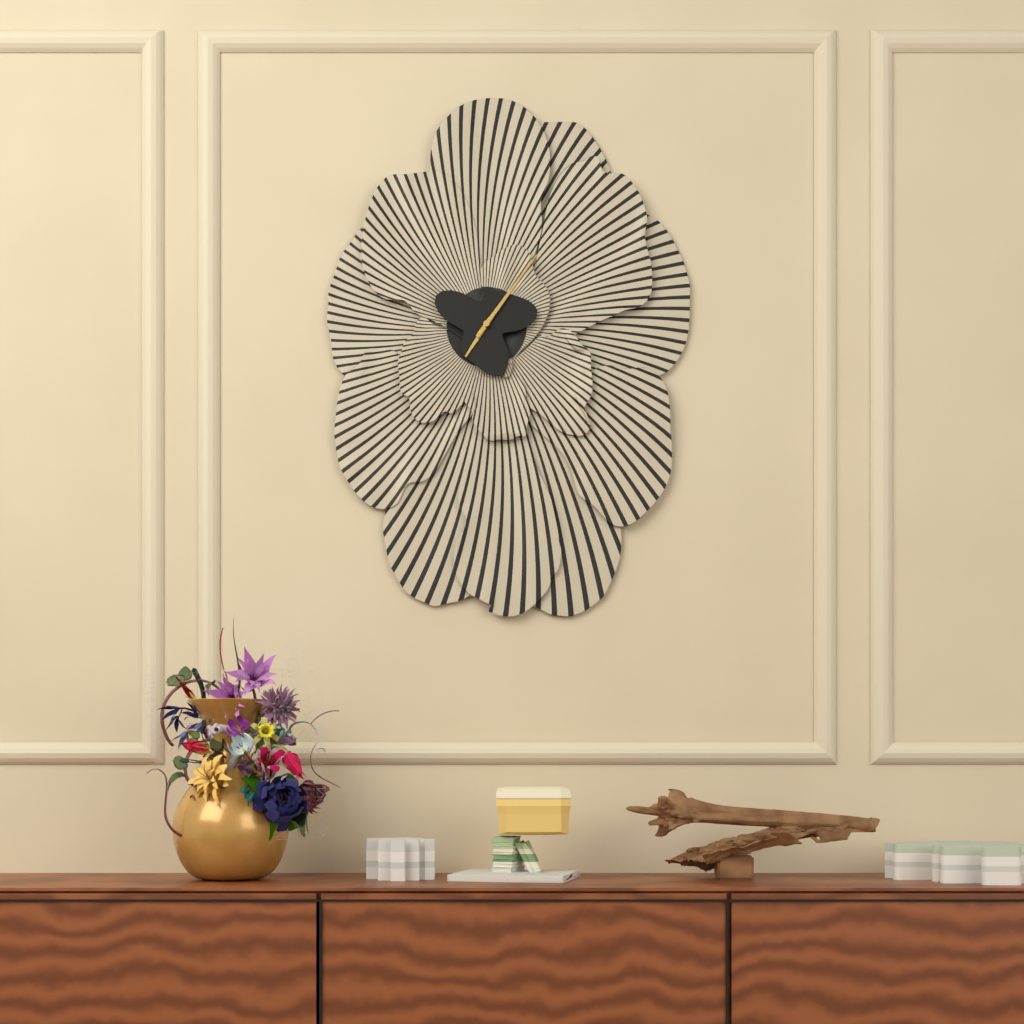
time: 7:06
